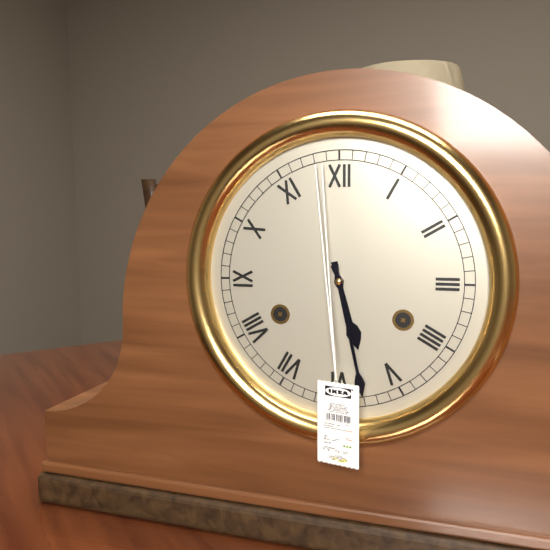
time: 5:28
